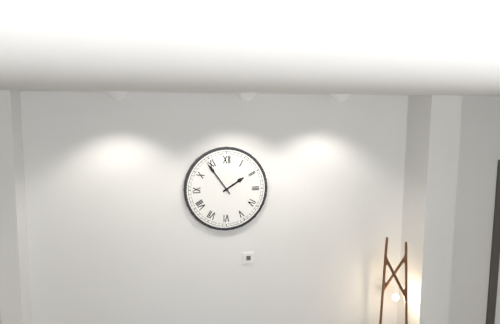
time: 1:54
